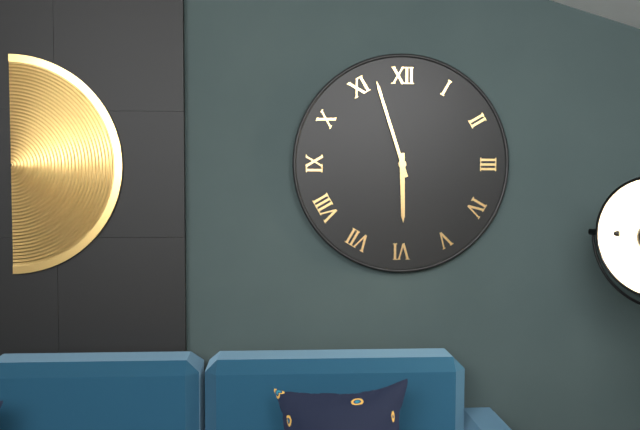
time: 5:57
